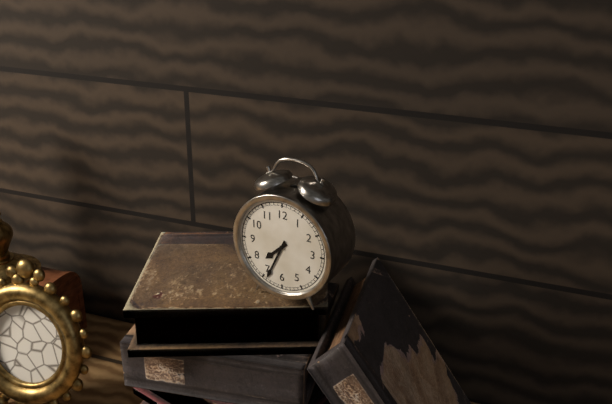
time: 7:34
